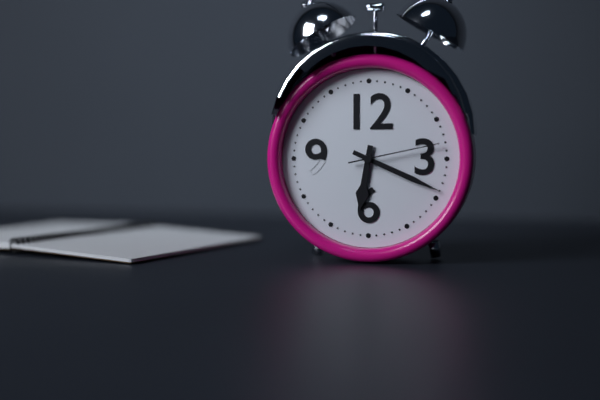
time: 6:19:13
